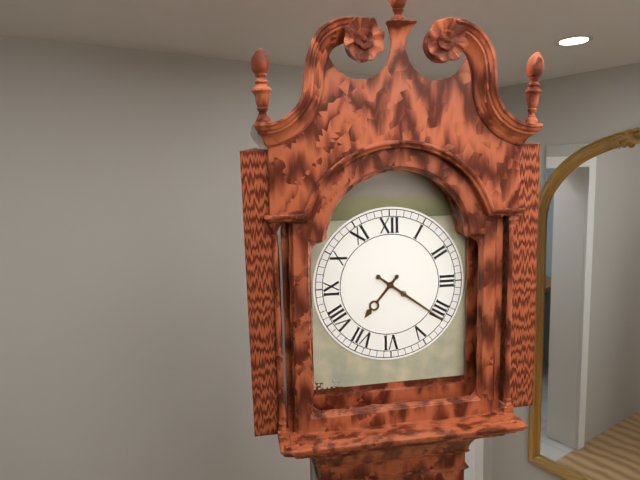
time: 7:21
